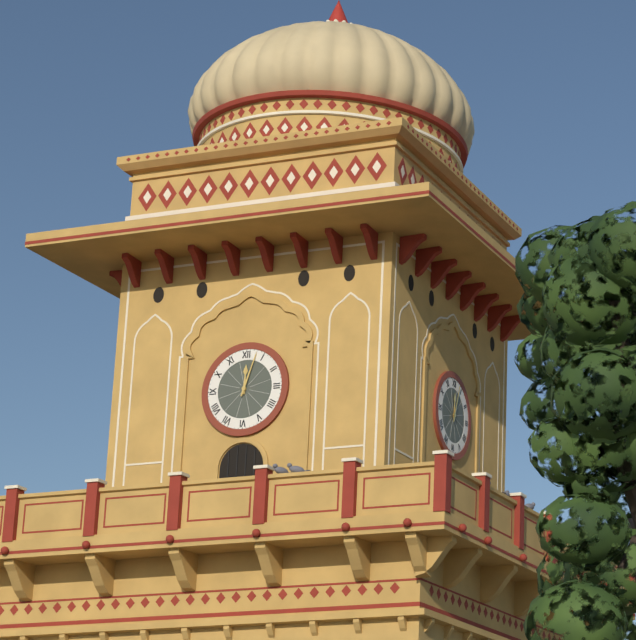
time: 12:03
